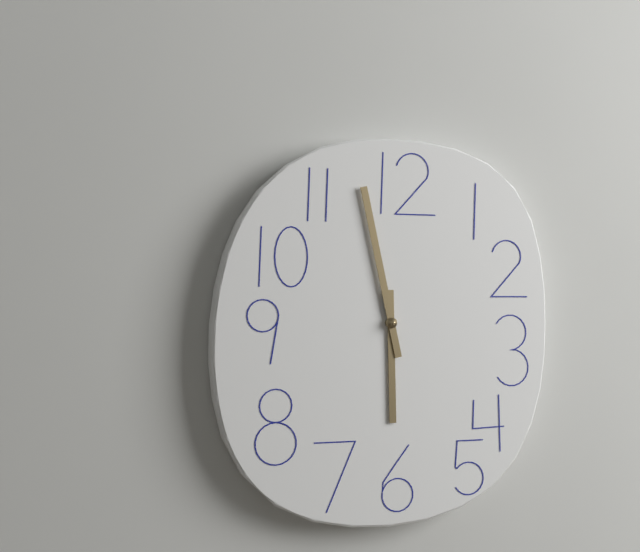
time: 5:58
